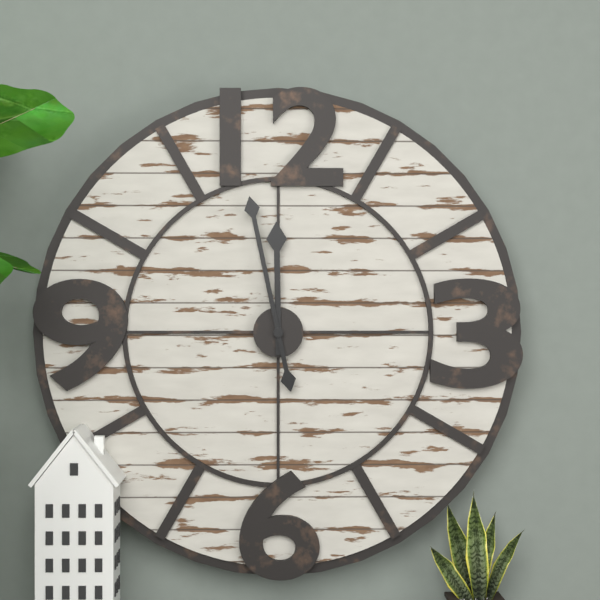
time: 11:58
